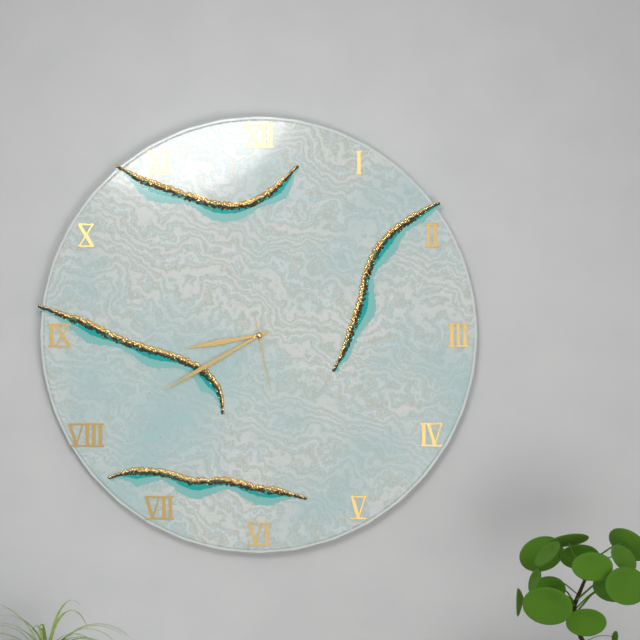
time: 8:40:28
